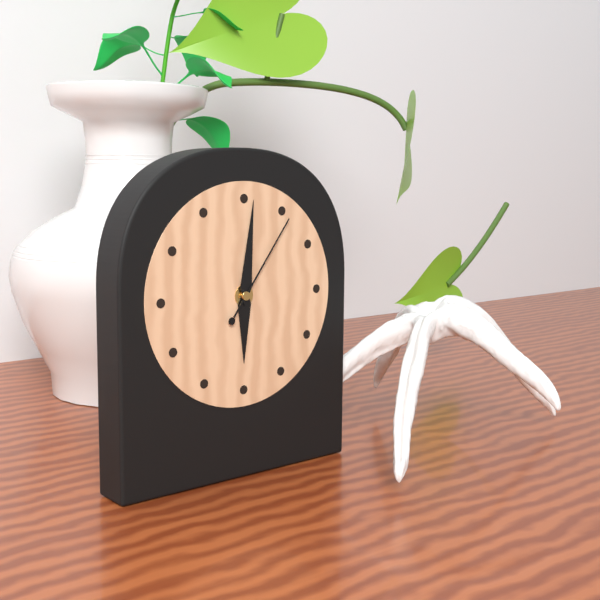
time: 6:01:06
